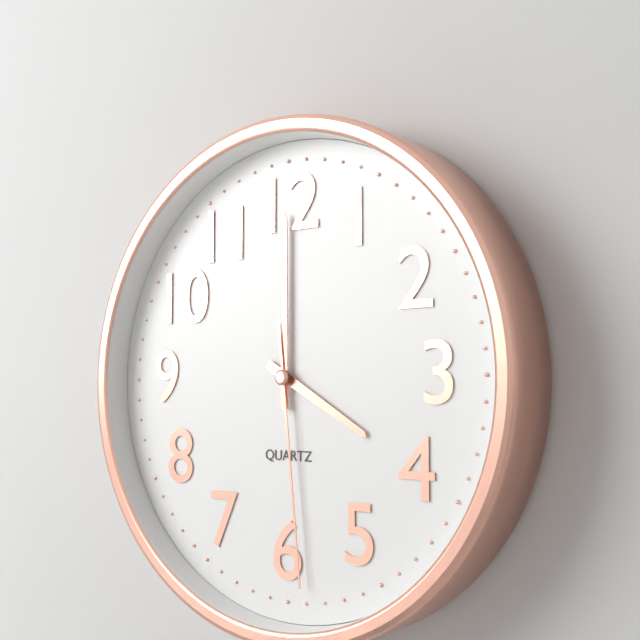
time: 4:00:29
